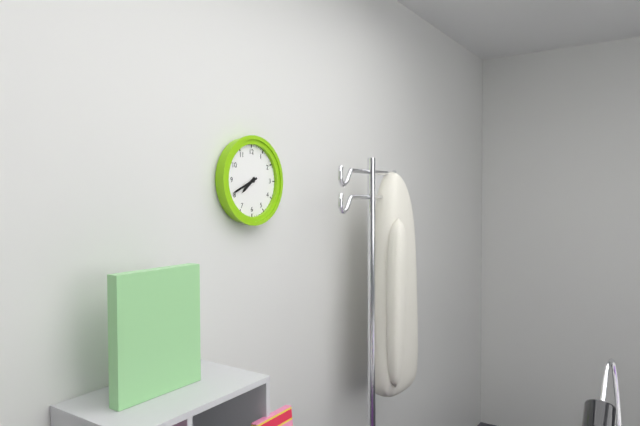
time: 7:41
